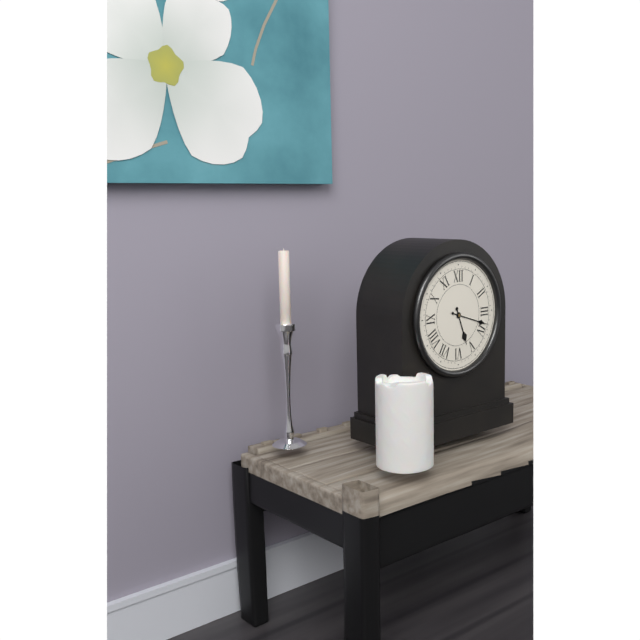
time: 5:18
